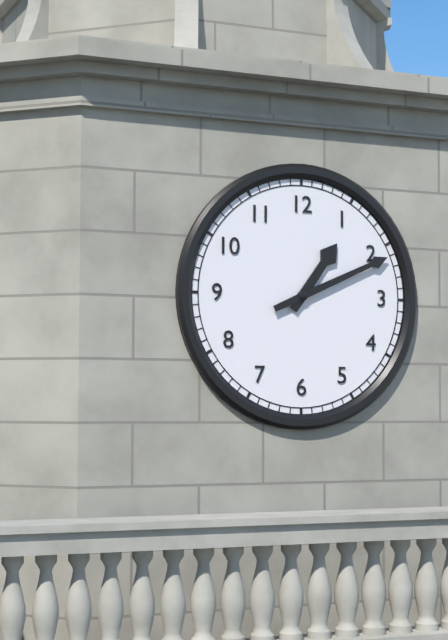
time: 1:11
